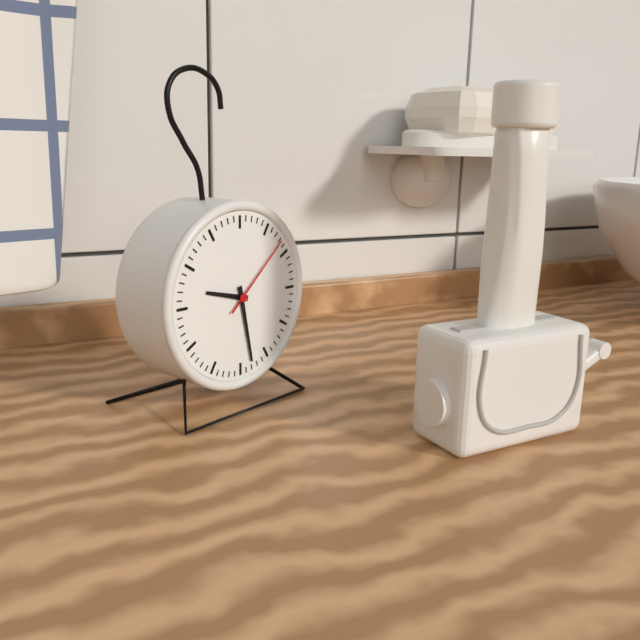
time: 9:28:08
